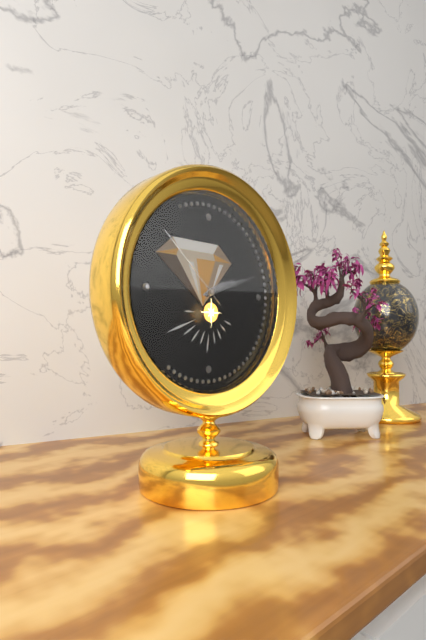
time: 2:12:52
